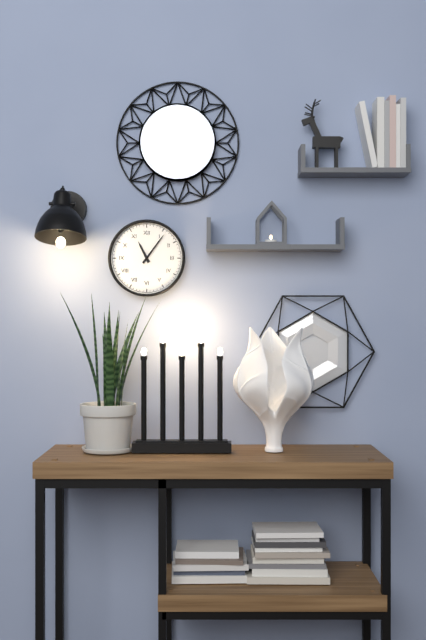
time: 11:06
